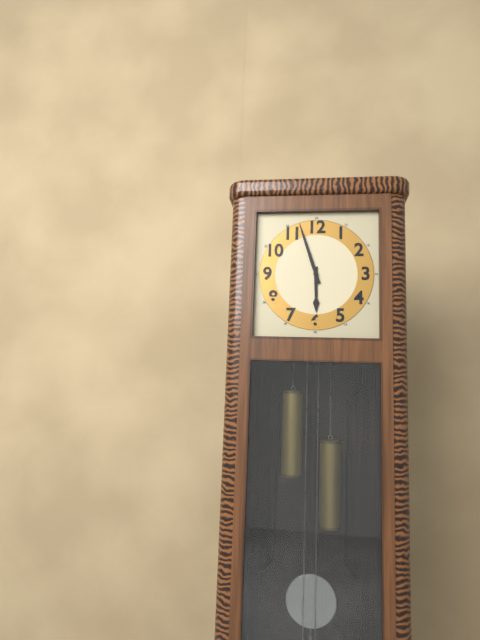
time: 5:57
